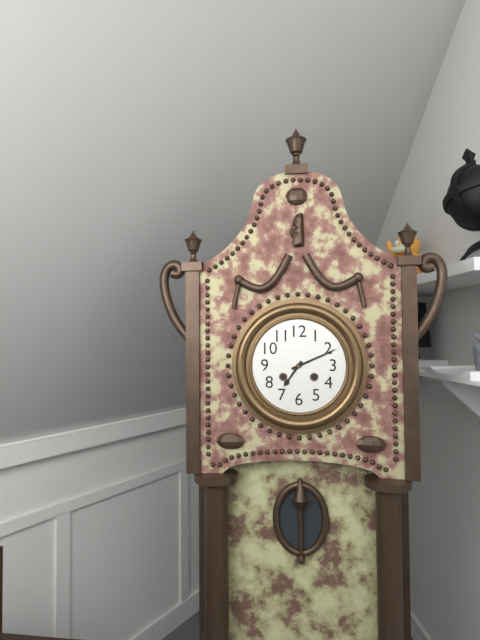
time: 7:11
